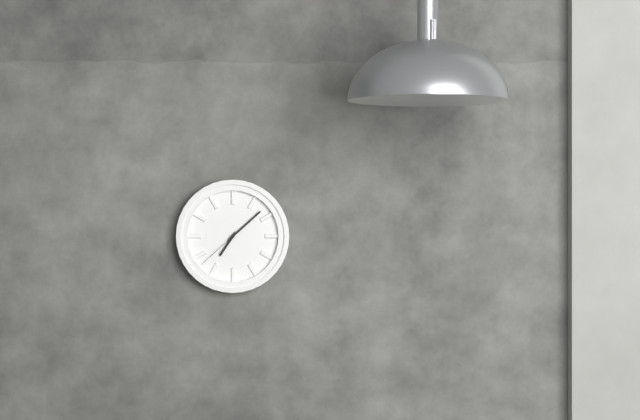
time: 7:08:38
